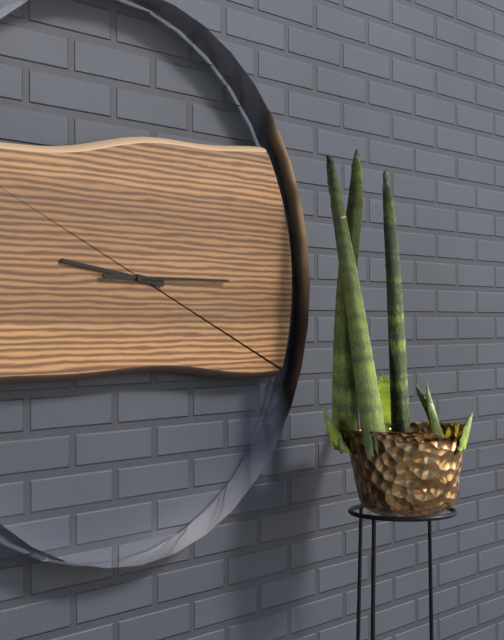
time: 9:15
